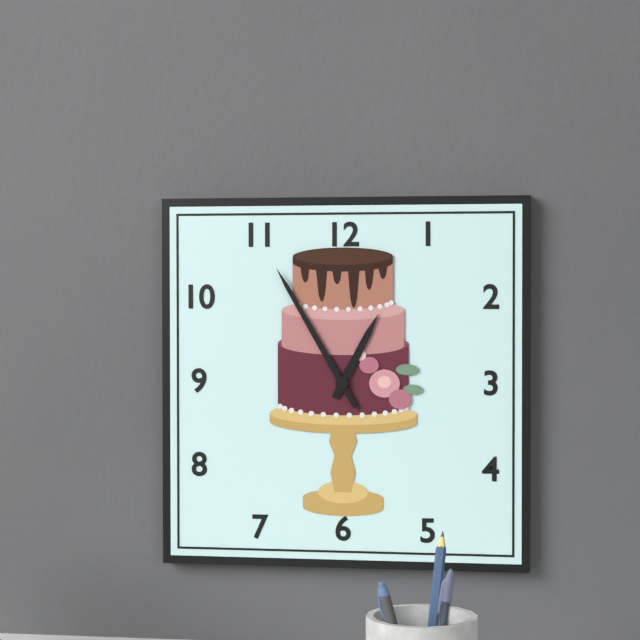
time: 12:55
